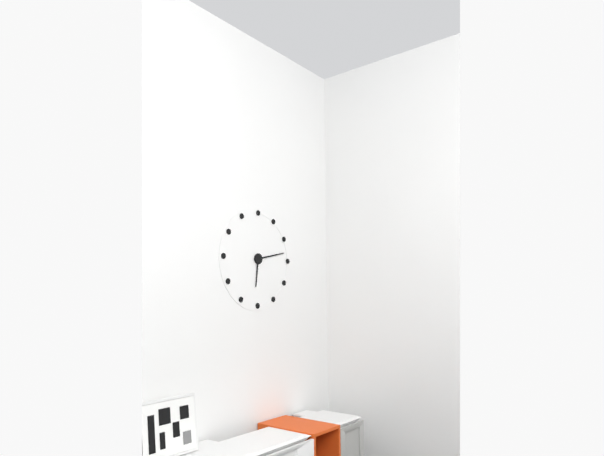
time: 6:13
